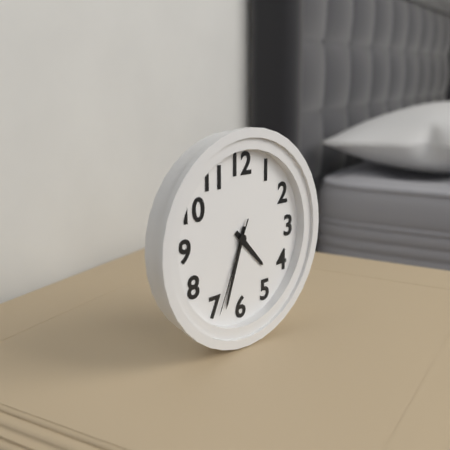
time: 4:33:34
